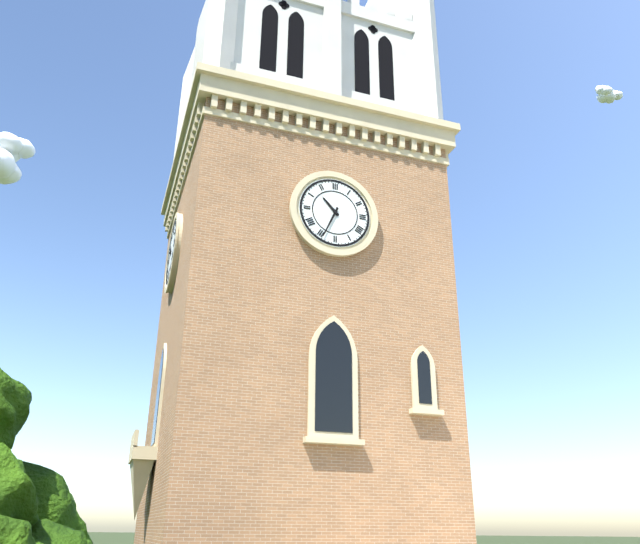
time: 10:34
